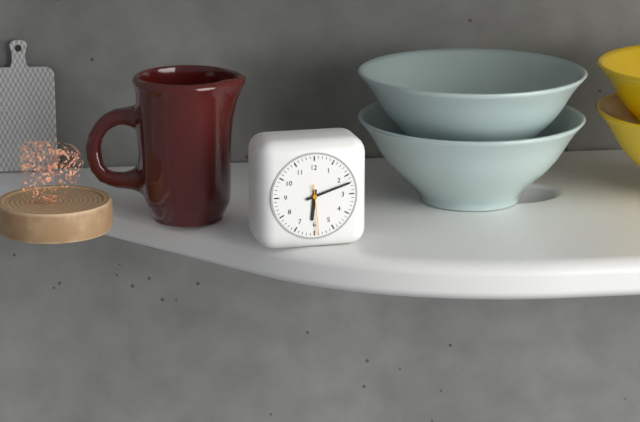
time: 6:12
